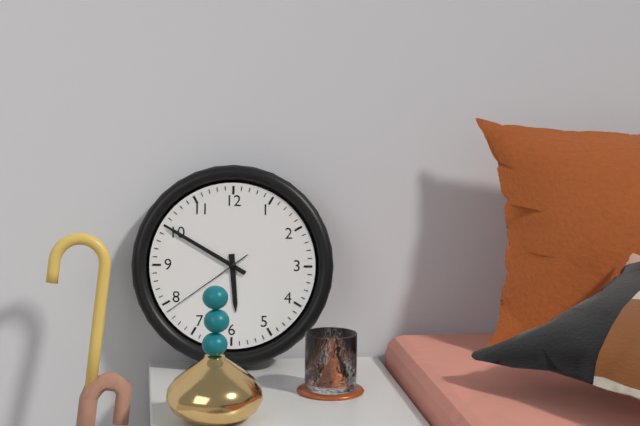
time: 5:50:39
